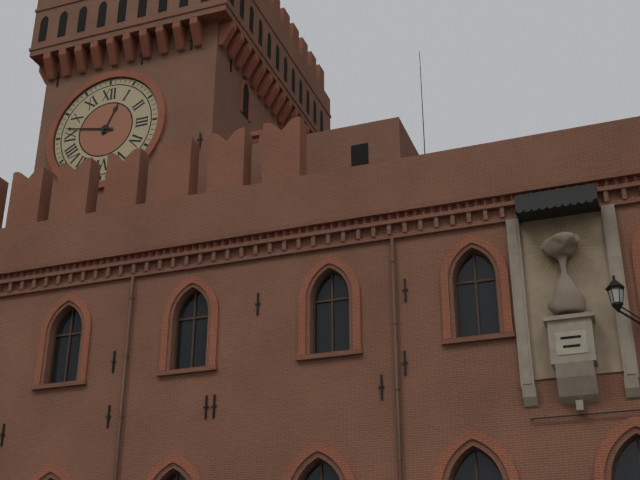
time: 12:47
